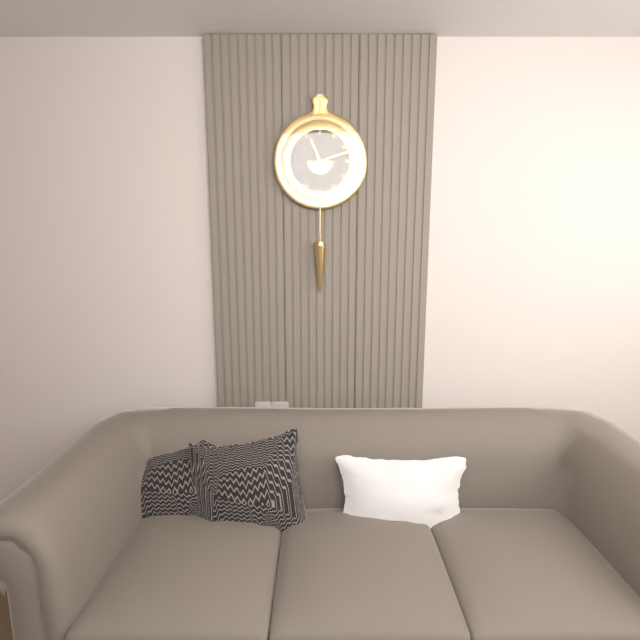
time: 11:12
